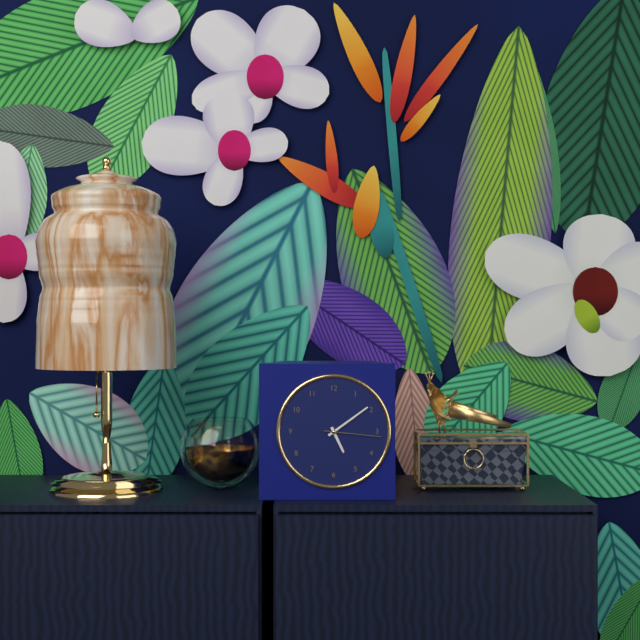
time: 5:09:16
